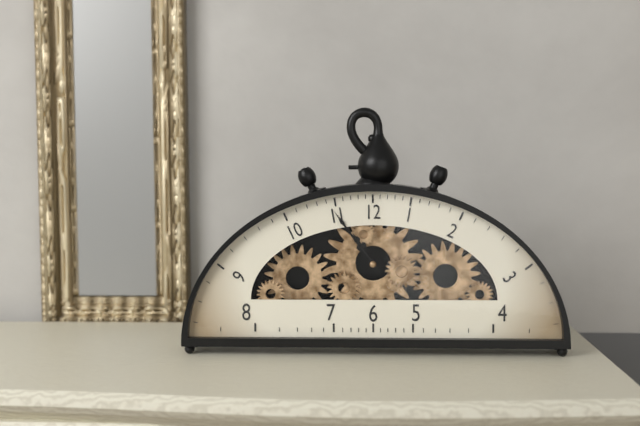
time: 10:54
